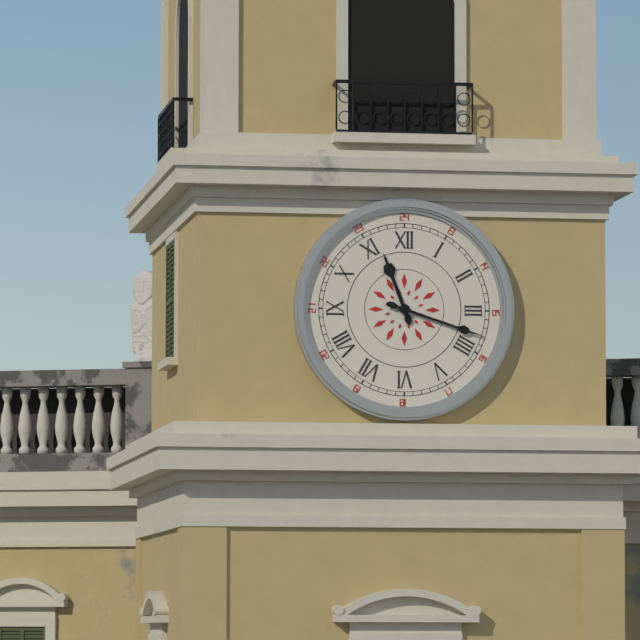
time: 11:18
